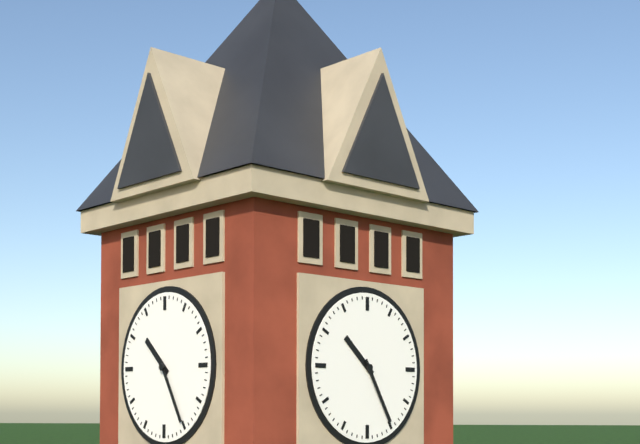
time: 10:25
